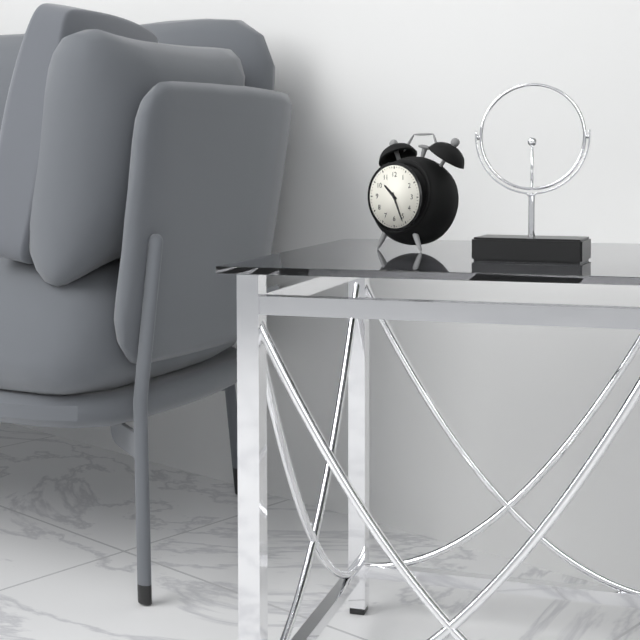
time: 10:26
